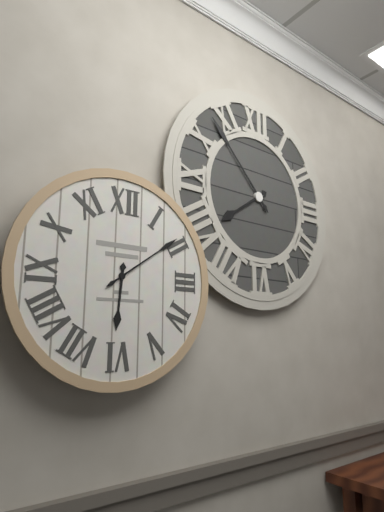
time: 6:09
